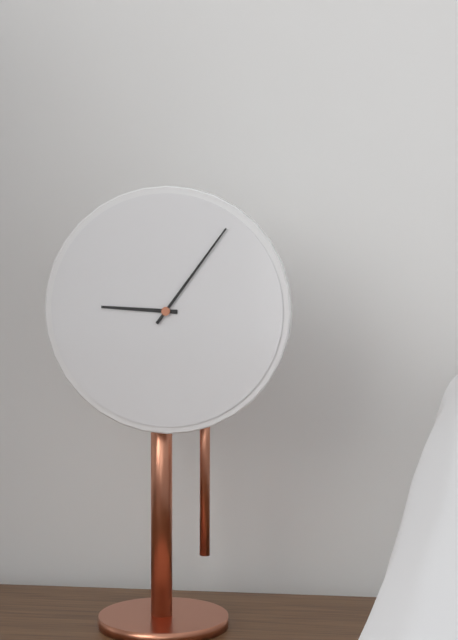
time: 9:06
